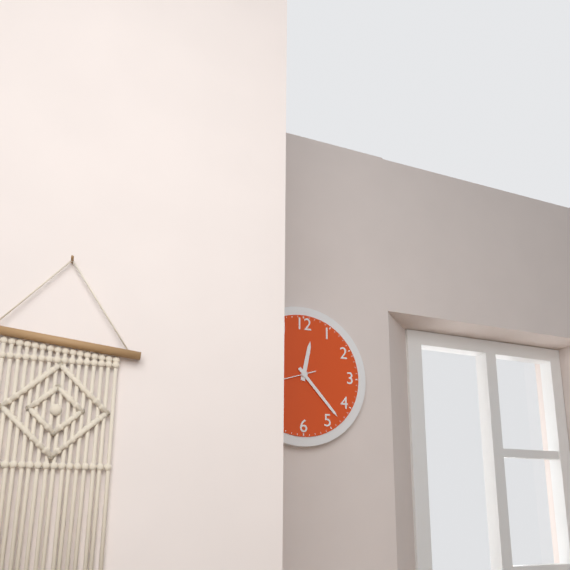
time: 12:23
